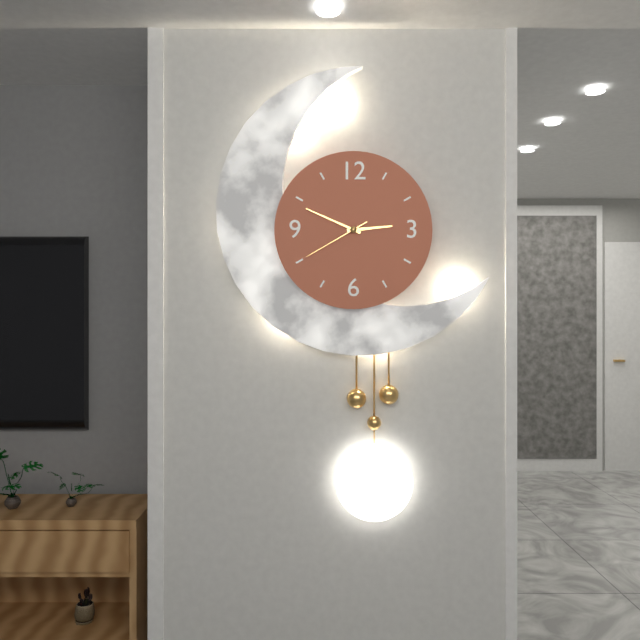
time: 2:49:40
